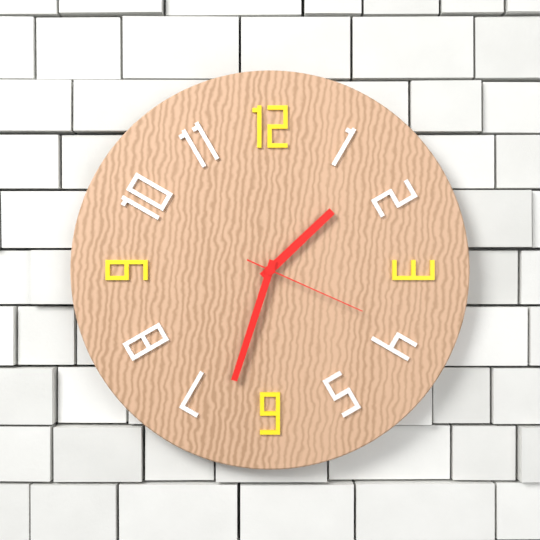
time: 1:33:19
